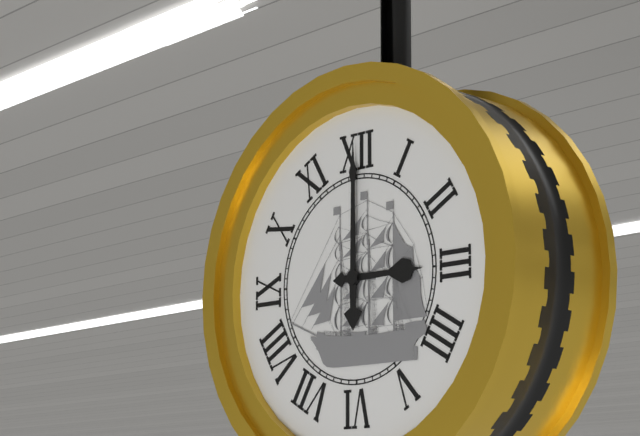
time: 3:00
